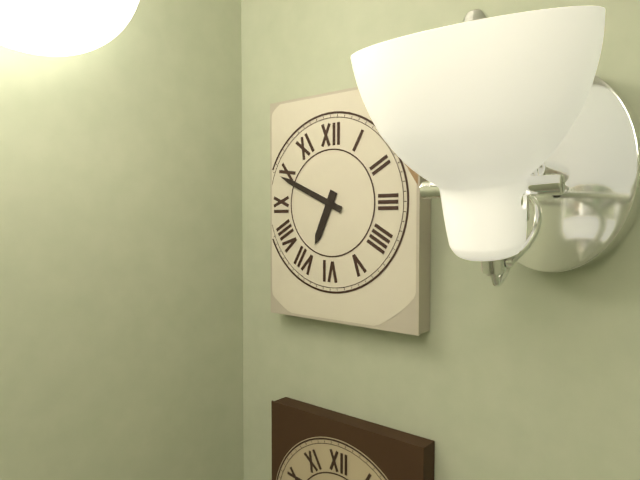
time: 6:49
